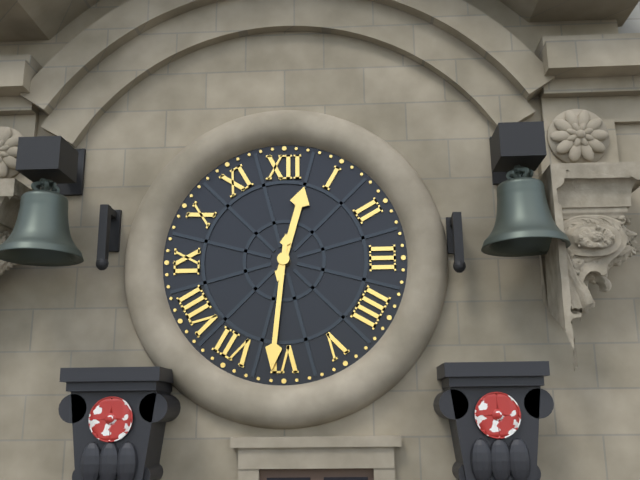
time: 12:31
